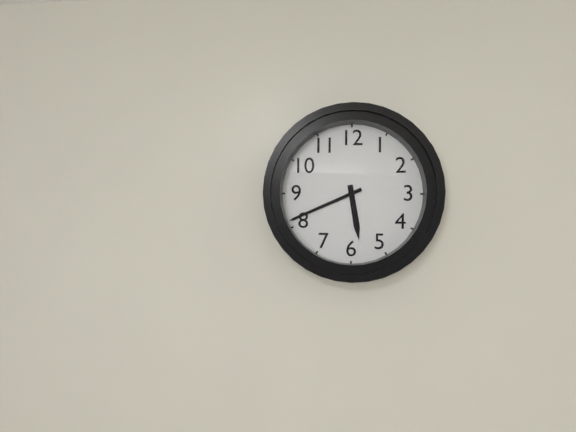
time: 5:41
